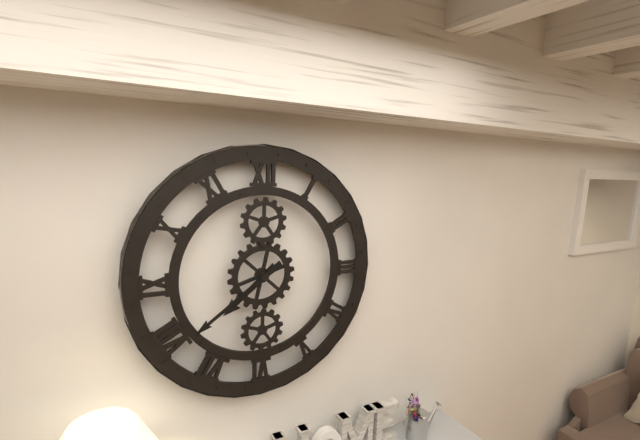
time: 7:39
